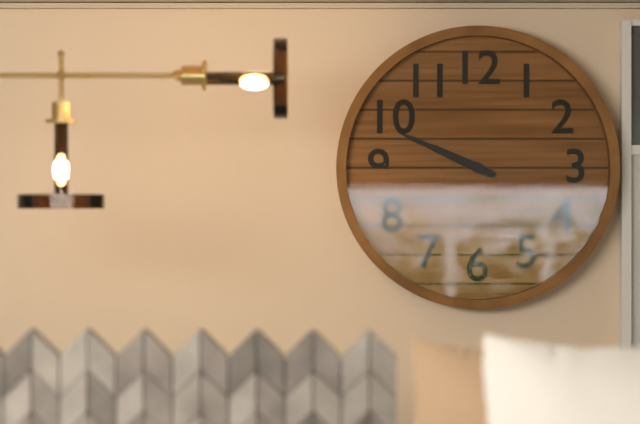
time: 9:49
